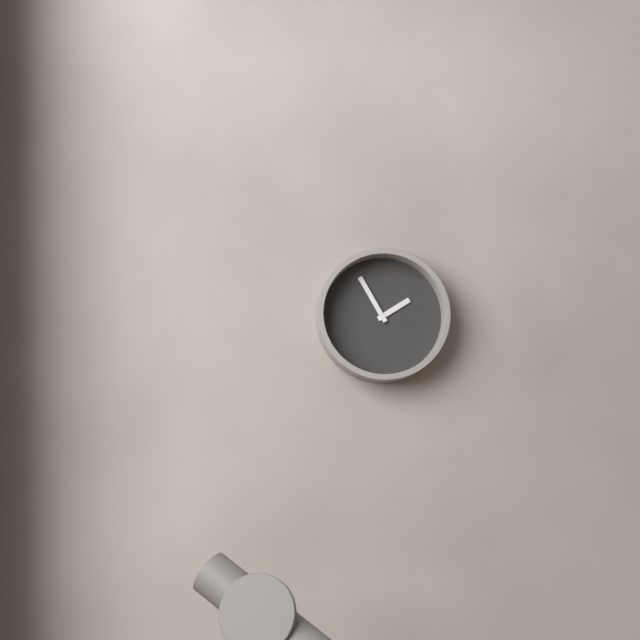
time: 1:55
